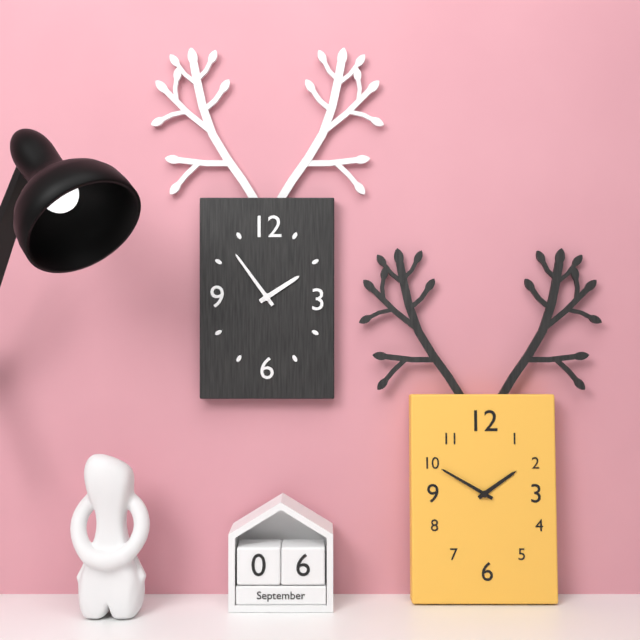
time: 1:54
